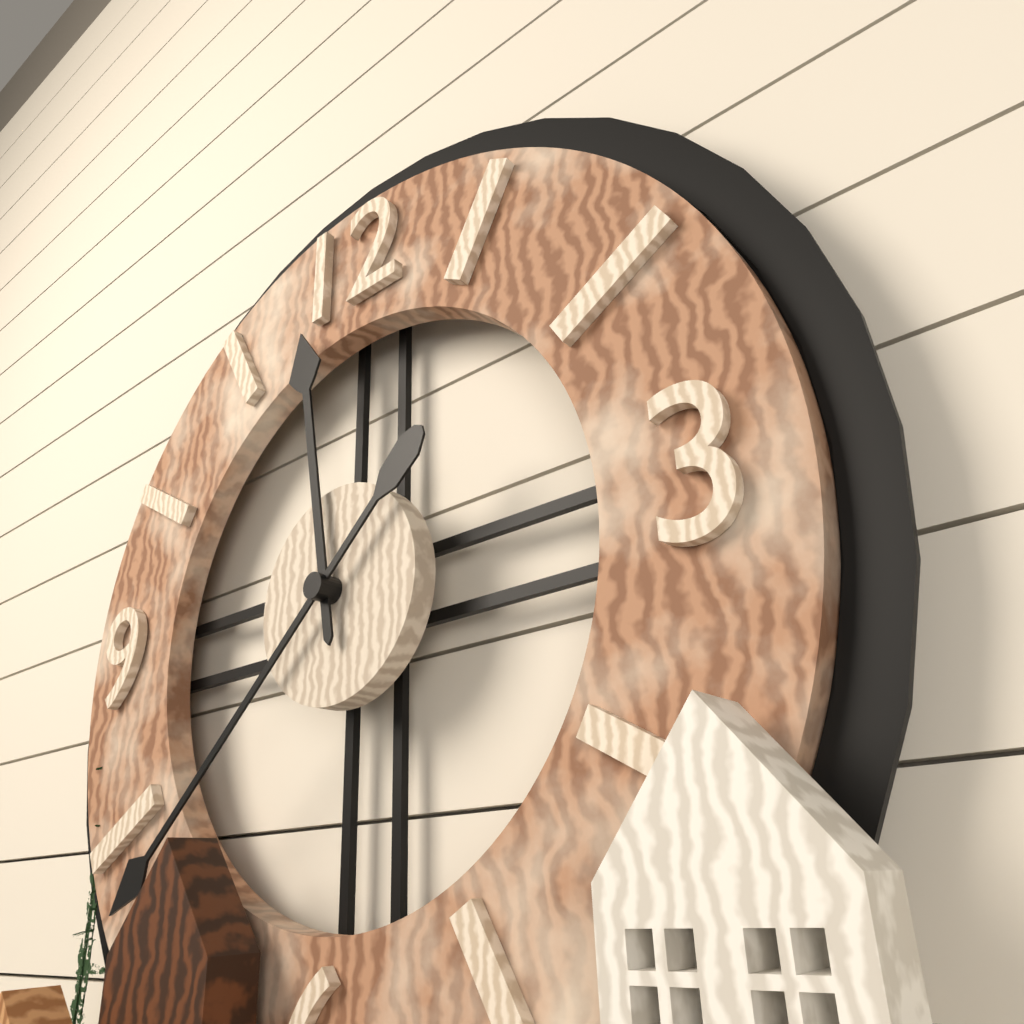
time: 11:38
